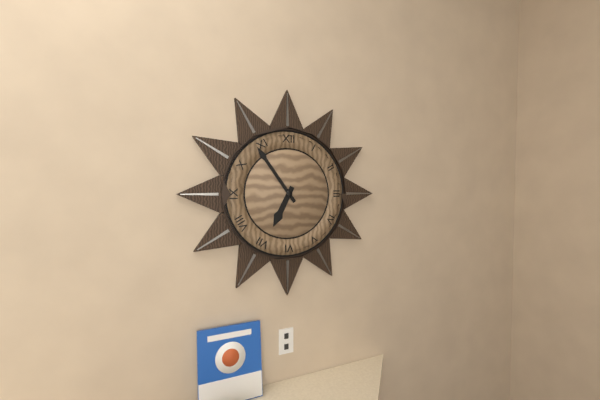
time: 6:54
